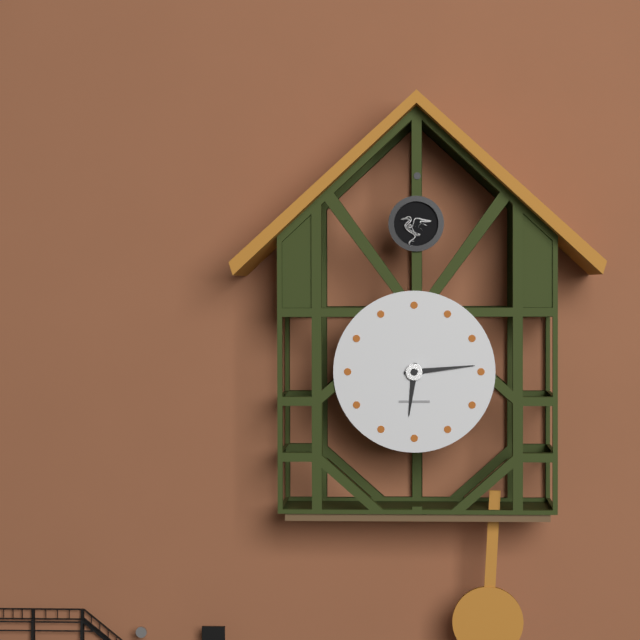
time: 6:14
